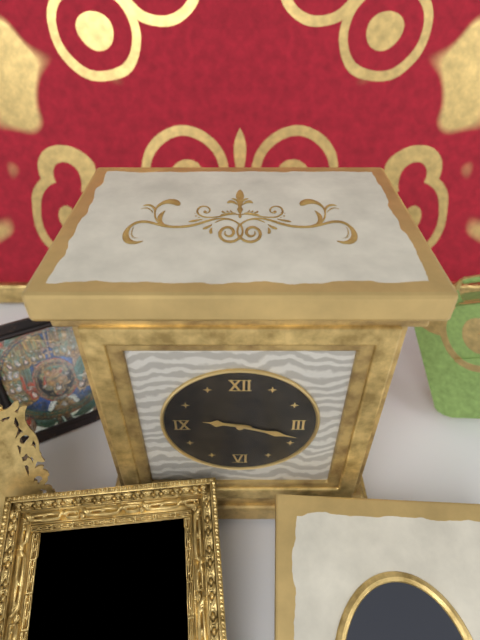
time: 9:18
